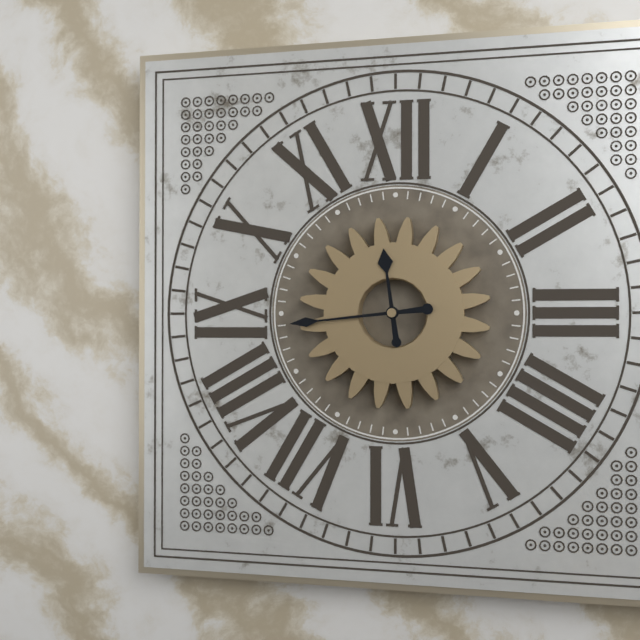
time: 11:44
